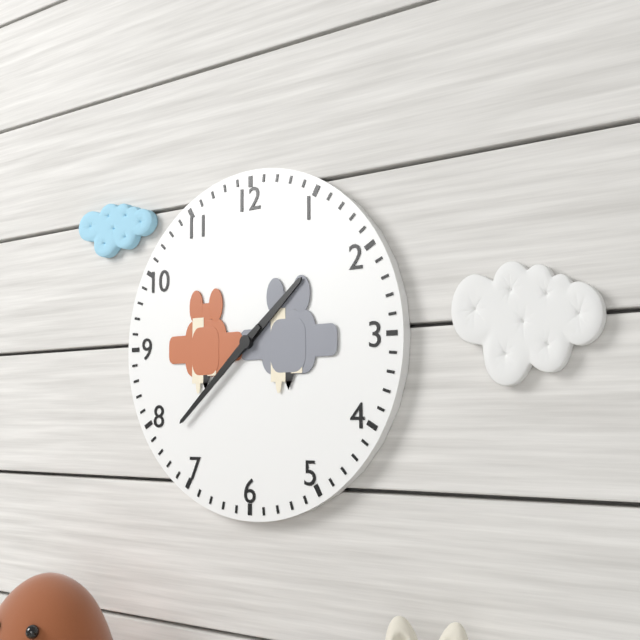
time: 1:38
